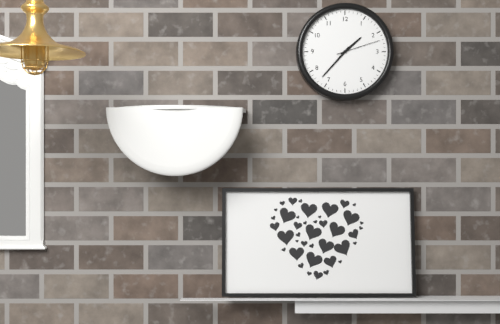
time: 1:37
